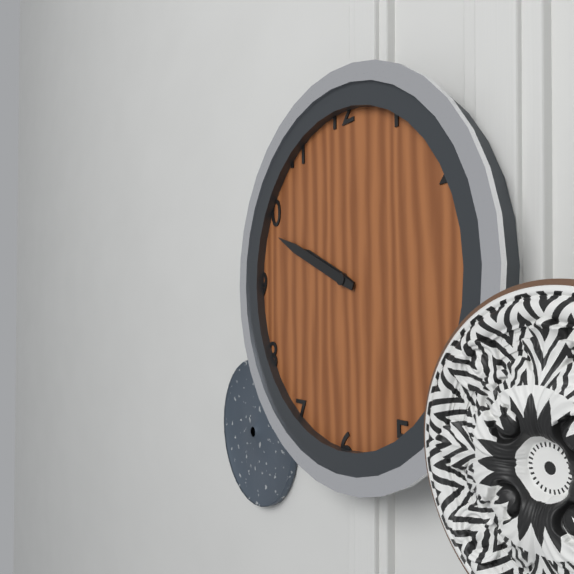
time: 9:49
